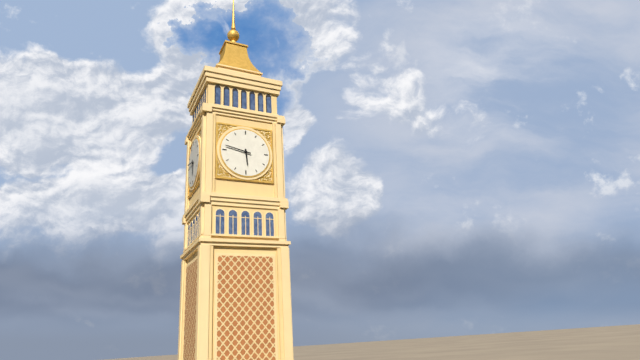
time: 5:47
